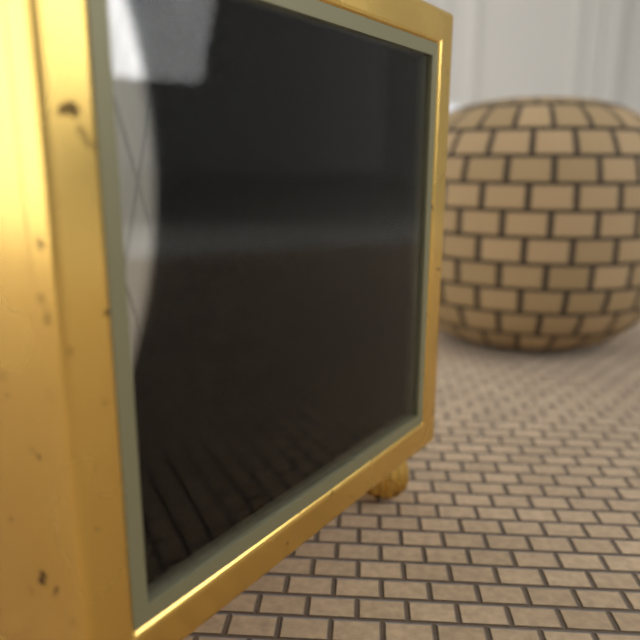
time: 7:34
